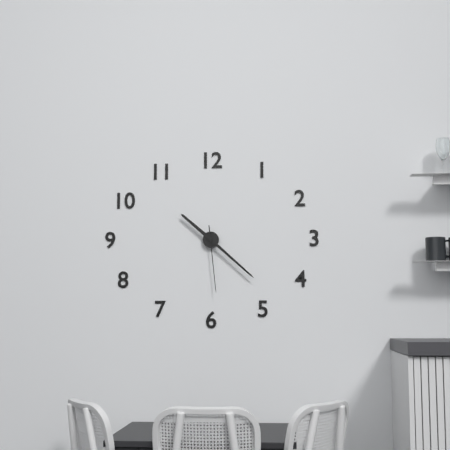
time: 10:22:29
